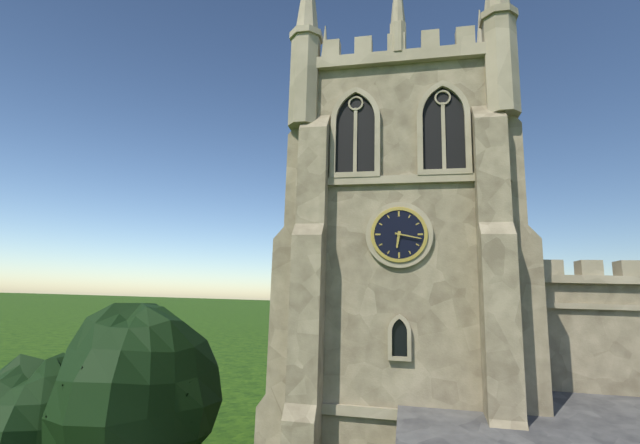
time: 6:17
